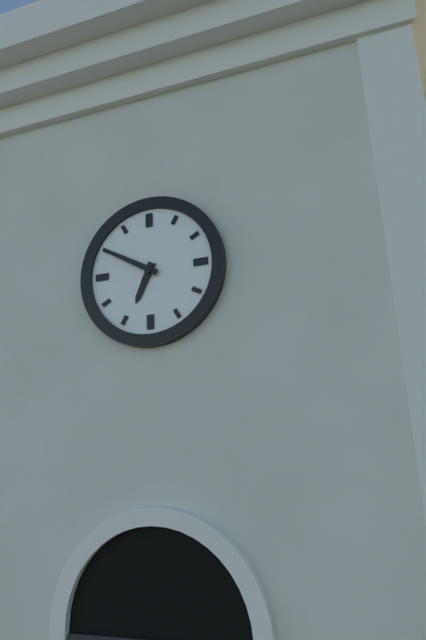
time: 6:50
